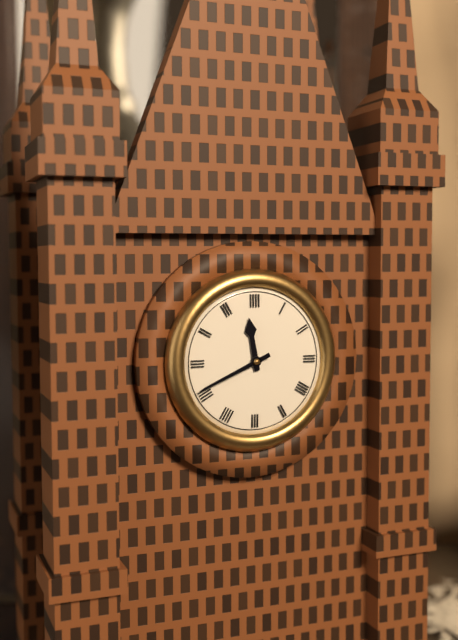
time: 11:41
